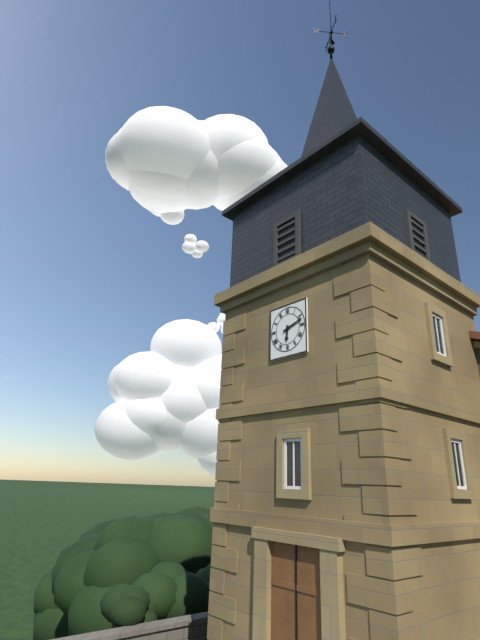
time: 6:12
